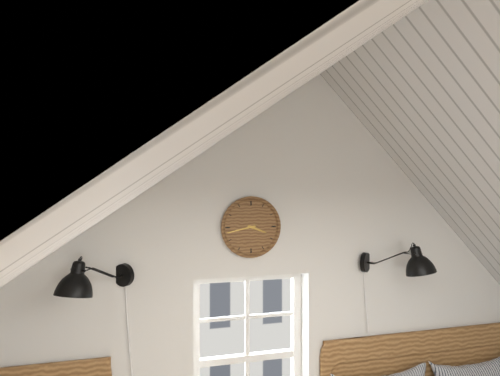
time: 3:43
